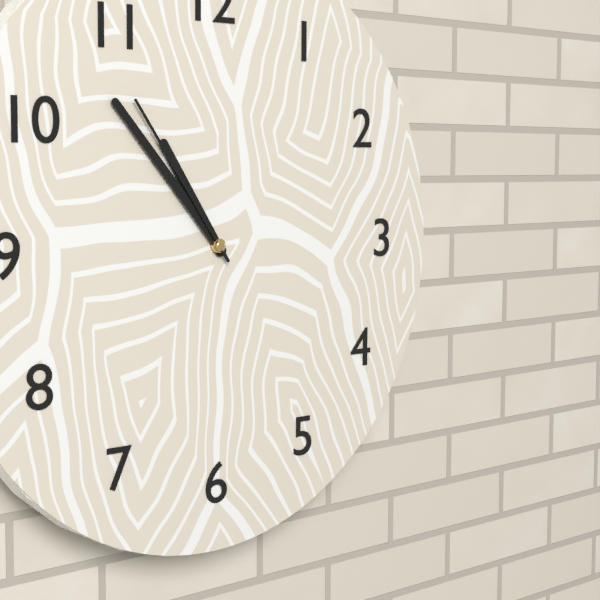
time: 10:53:54
